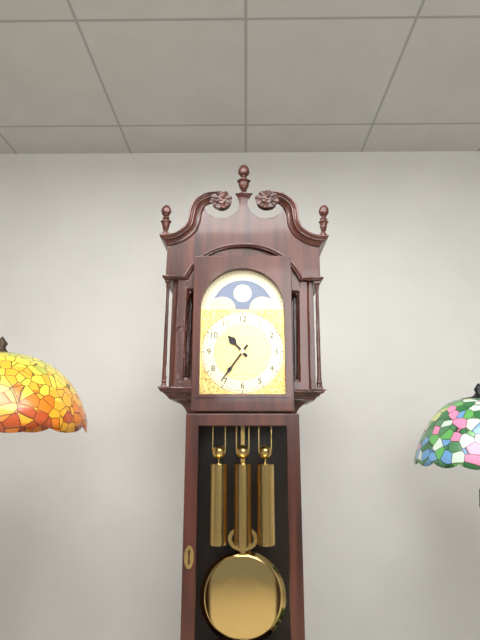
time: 10:36
